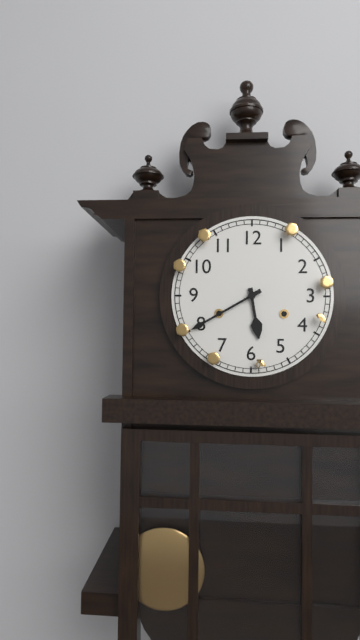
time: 5:40
